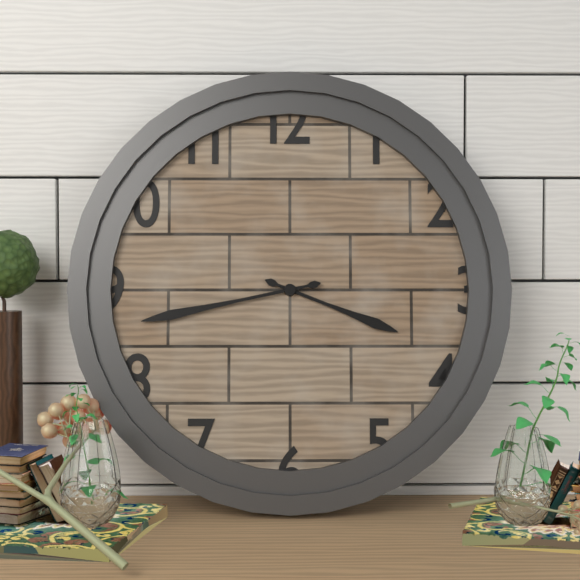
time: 3:43
